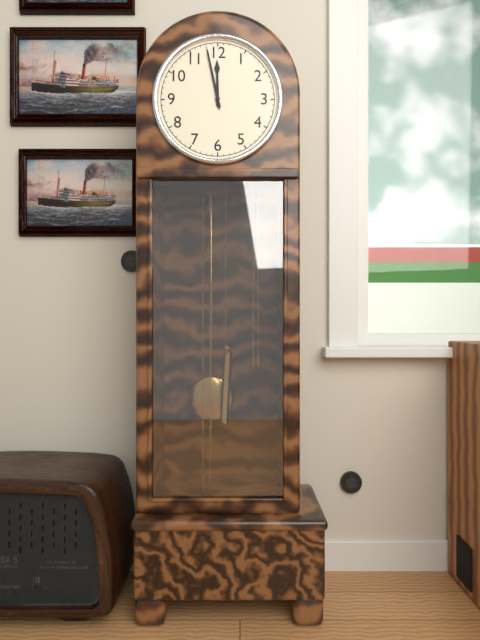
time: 11:58
